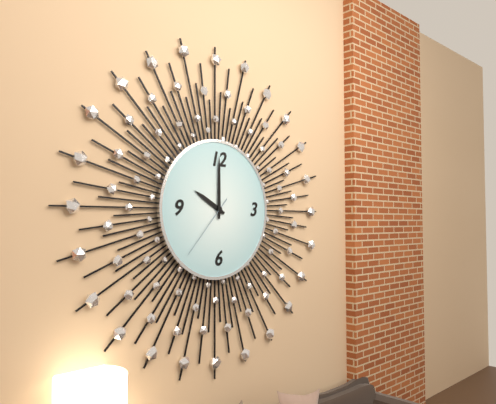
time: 10:00:37
